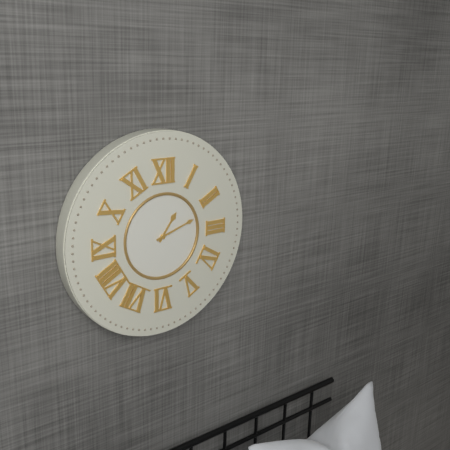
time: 1:12
